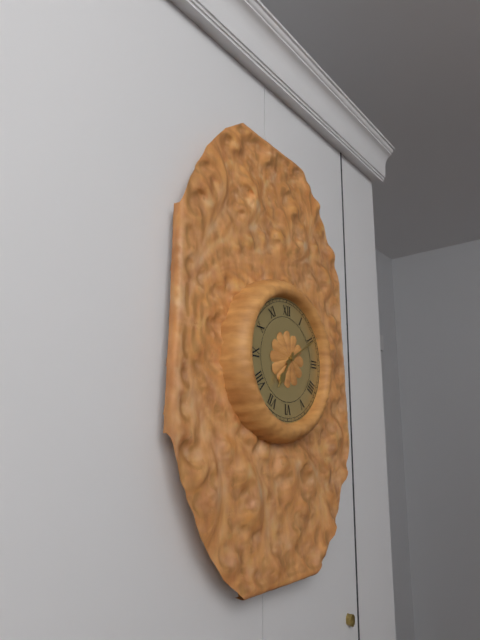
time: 7:10
